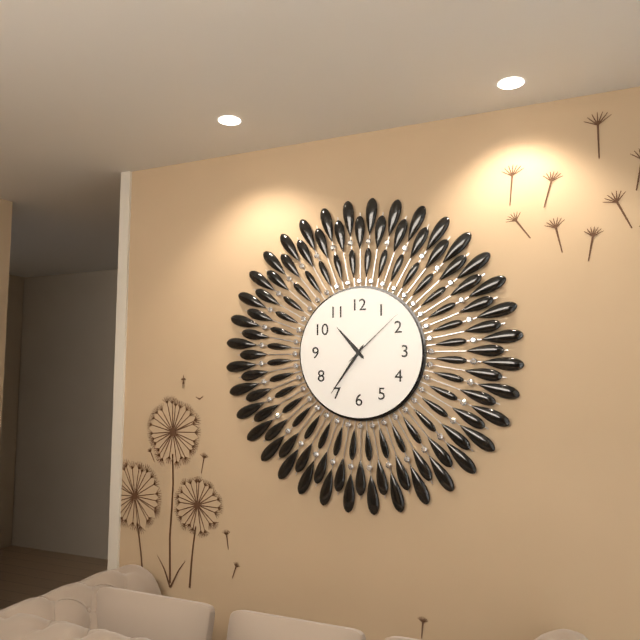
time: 10:36:08
